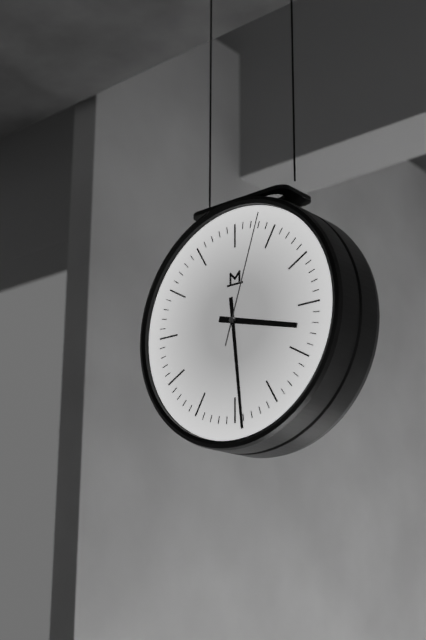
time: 3:29:03
